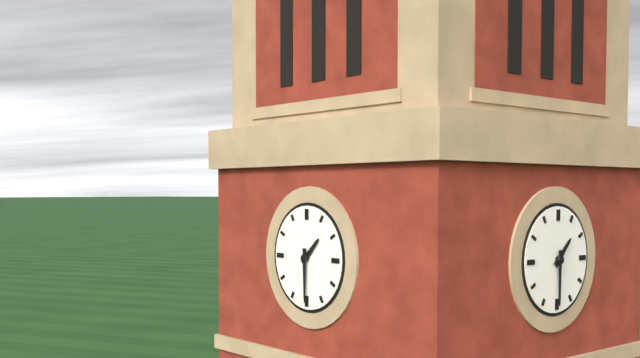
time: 1:30
